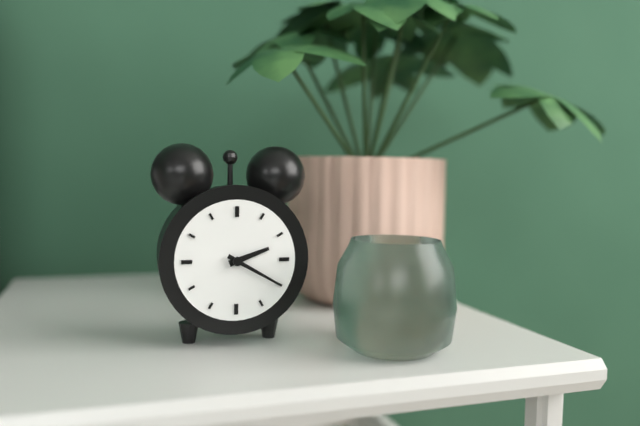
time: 2:20
